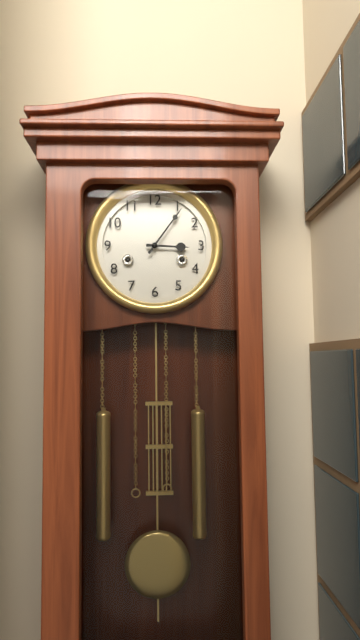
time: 3:06
